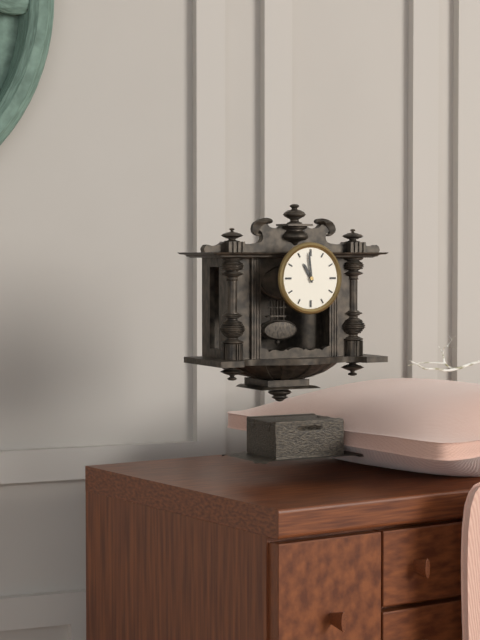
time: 10:59
